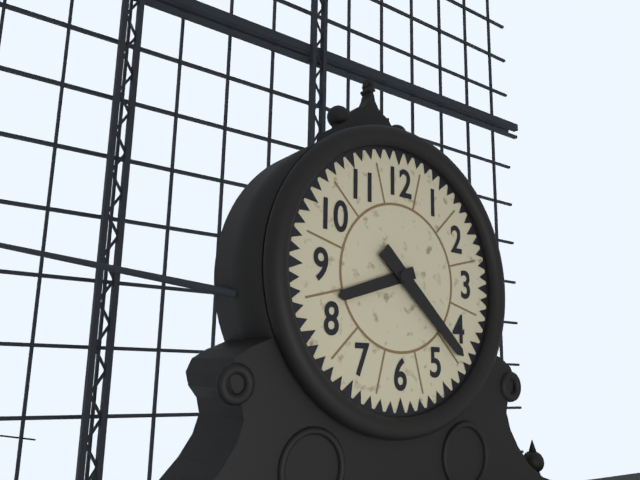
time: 8:22
